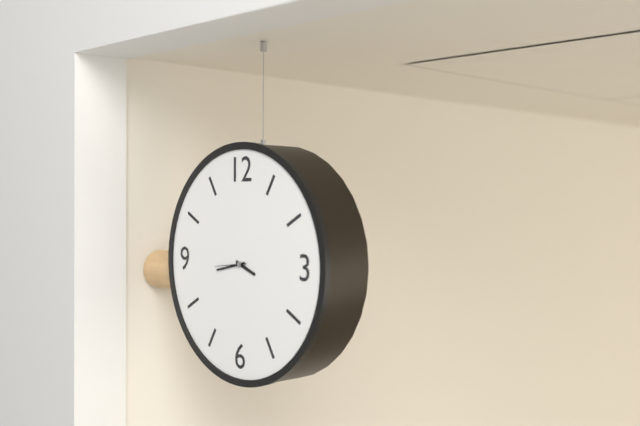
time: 3:43:44
